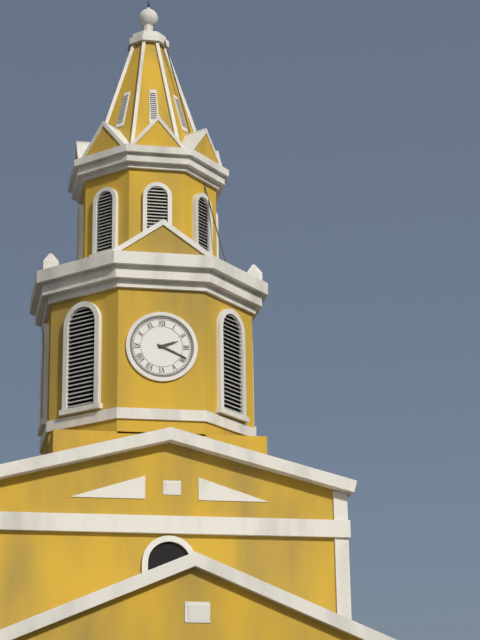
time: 2:19
